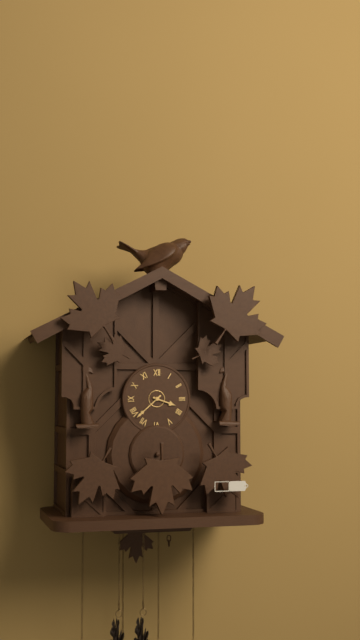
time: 3:38
